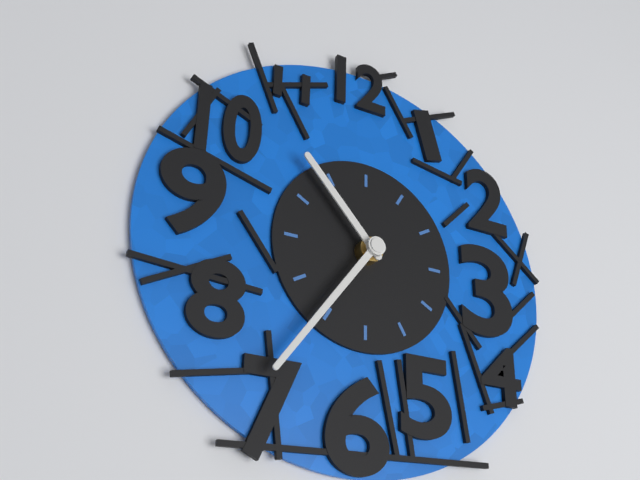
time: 10:36
